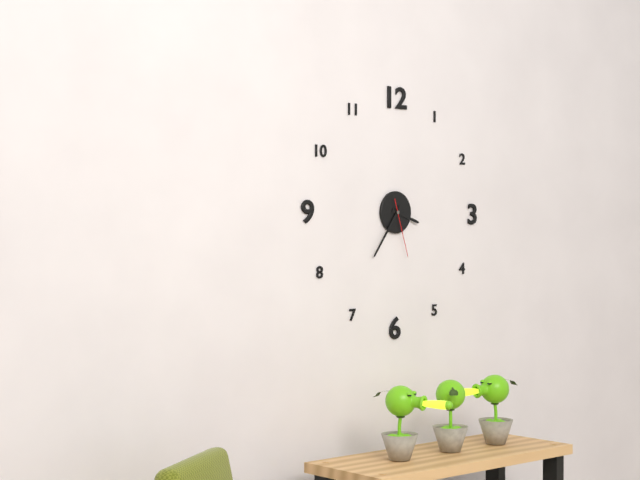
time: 3:36:27
